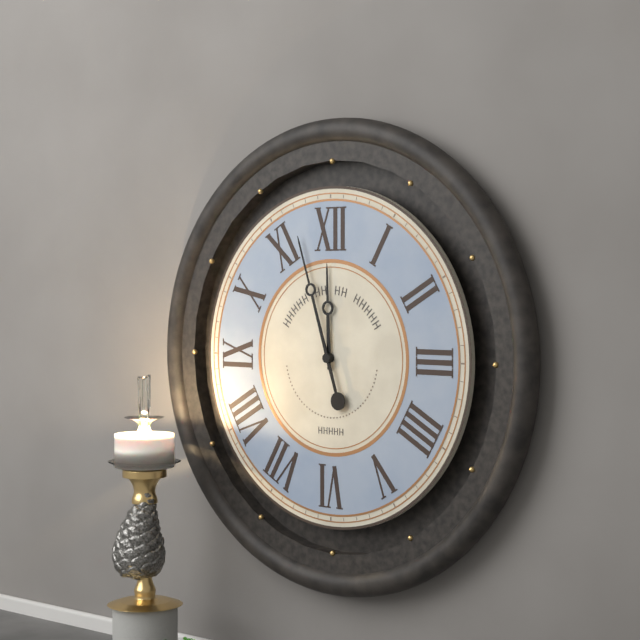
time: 11:57
